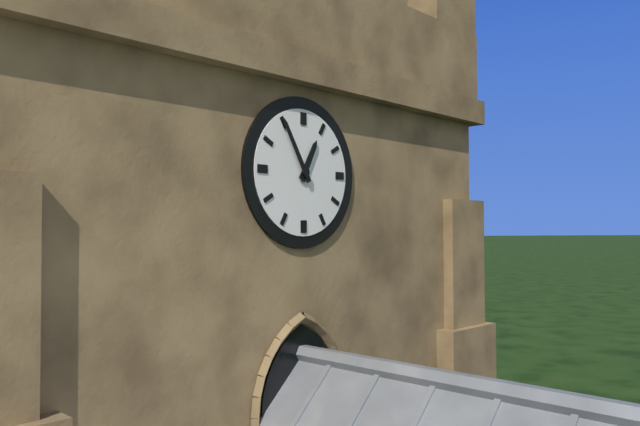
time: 12:55
